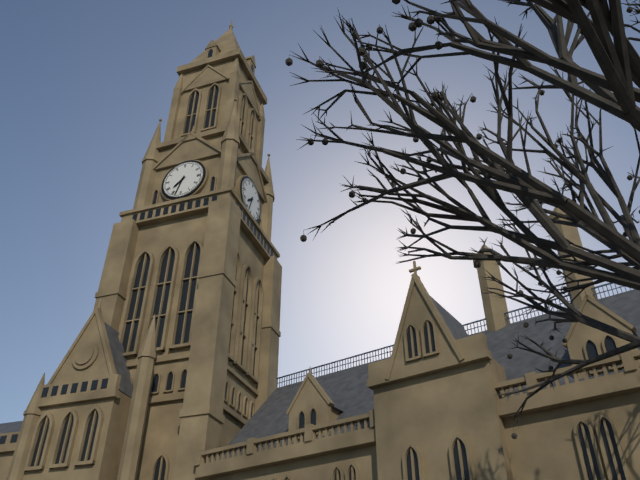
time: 7:33
